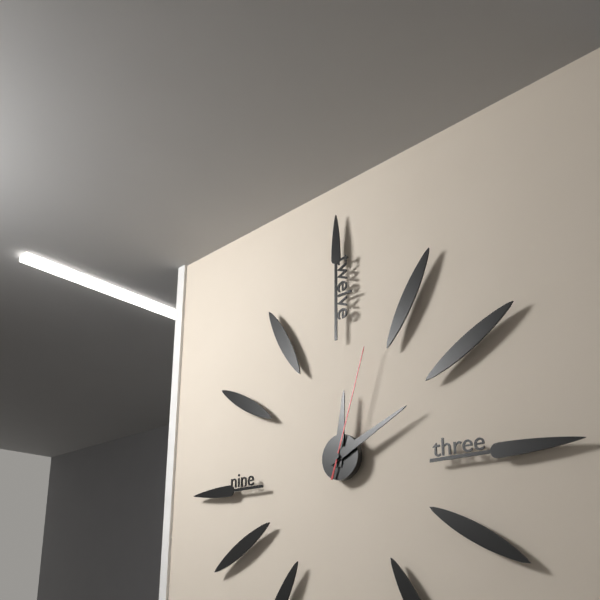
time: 12:11:03
